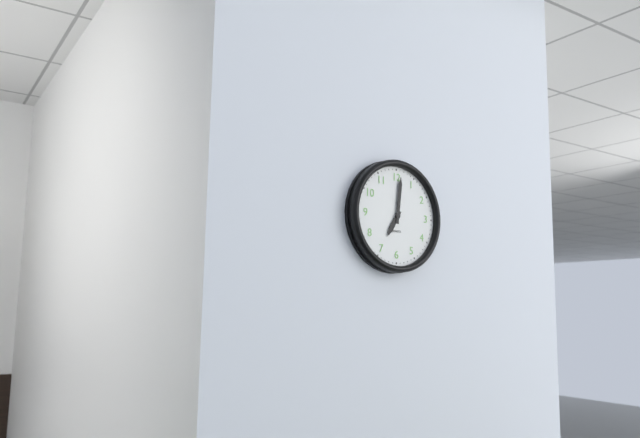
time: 7:01
